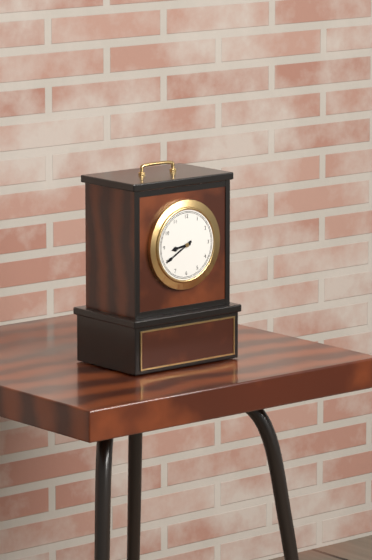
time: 8:40
